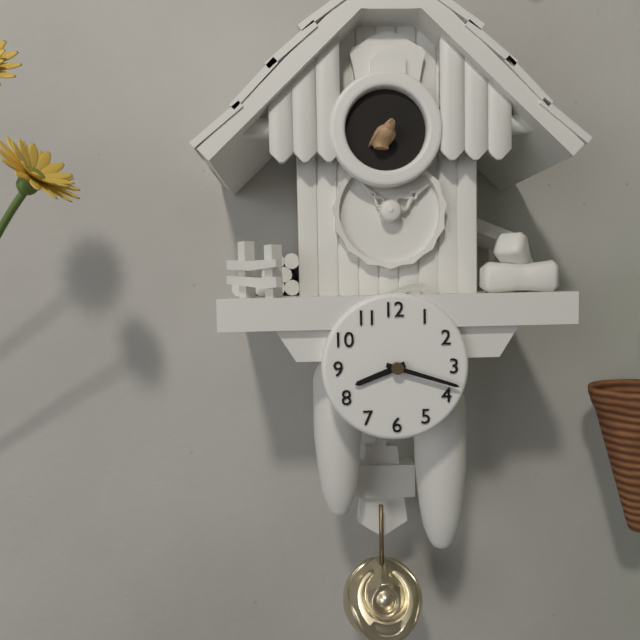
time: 8:18
